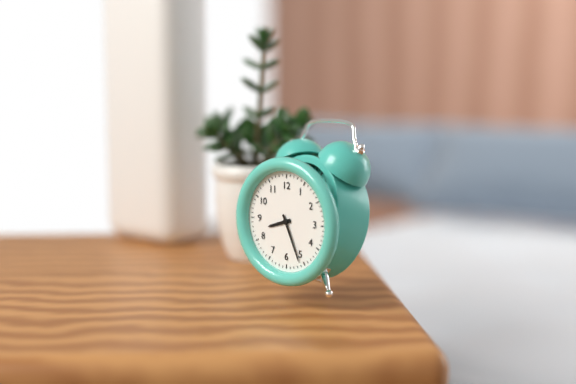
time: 8:26
